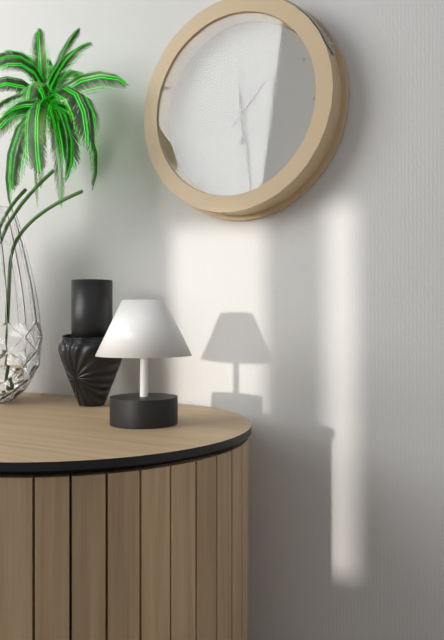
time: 1:29:59
